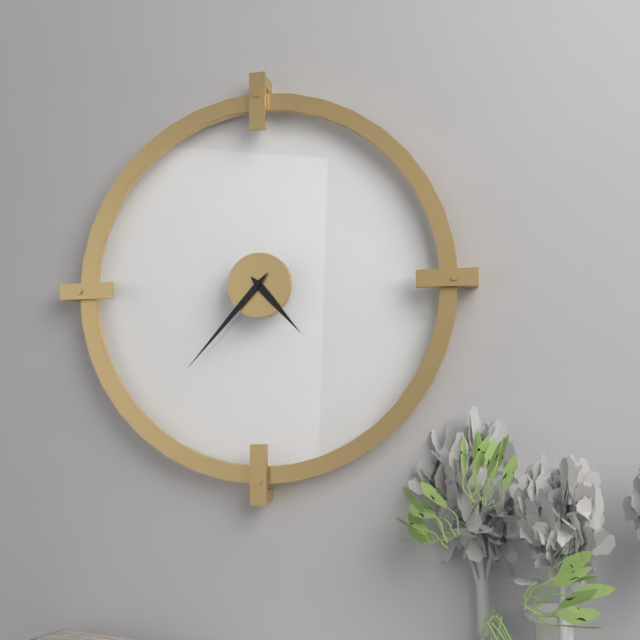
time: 4:37
